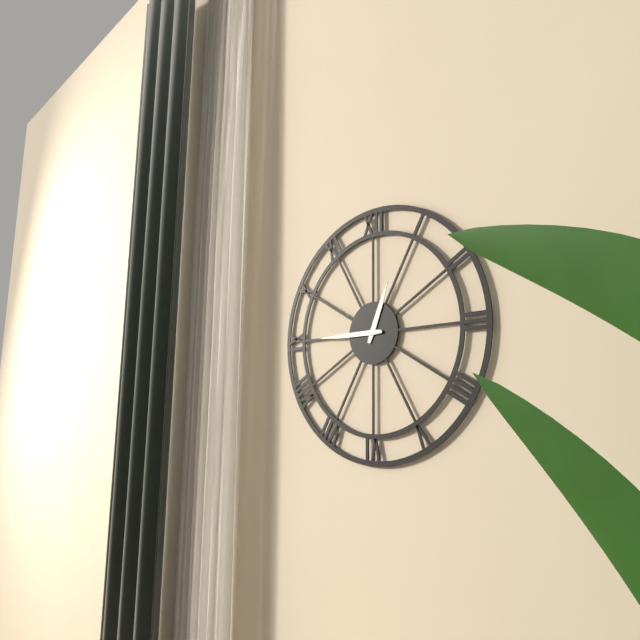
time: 12:45
